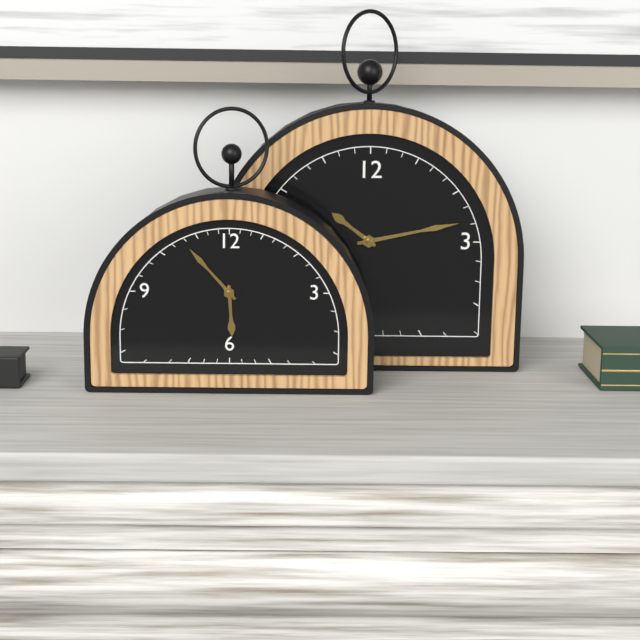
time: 5:53
